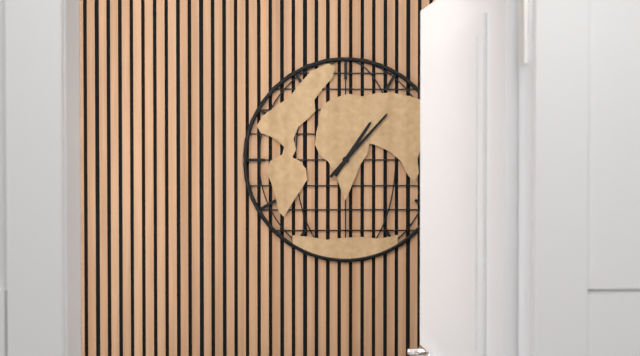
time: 1:07
